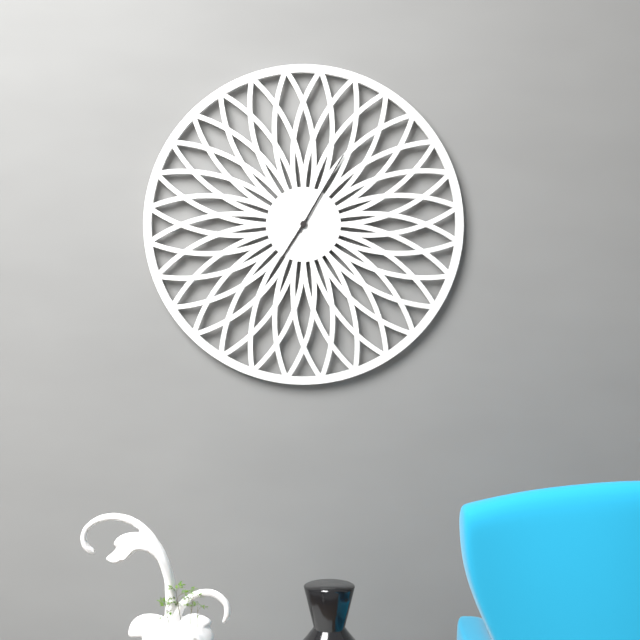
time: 7:05
